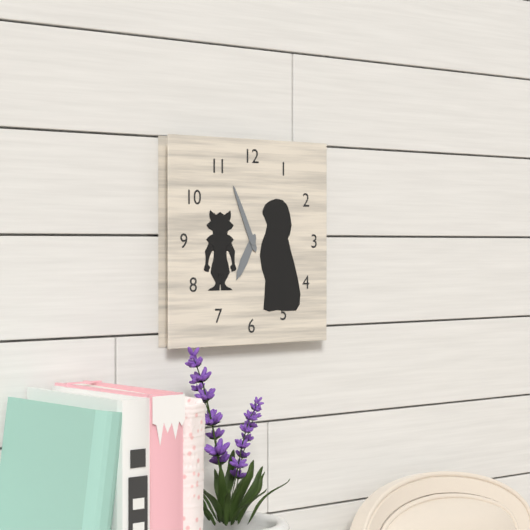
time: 6:56
